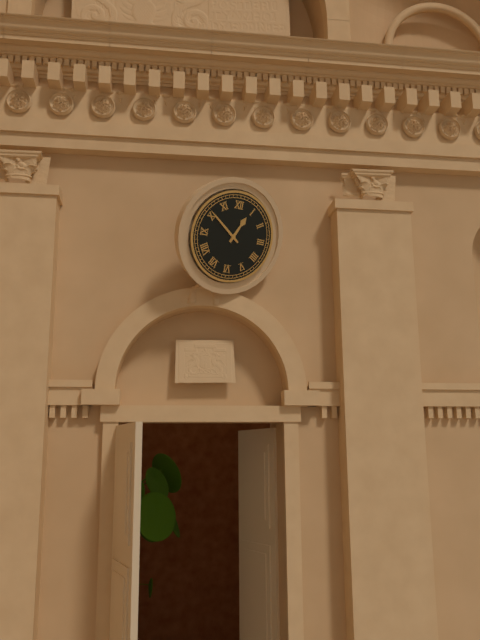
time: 12:51
